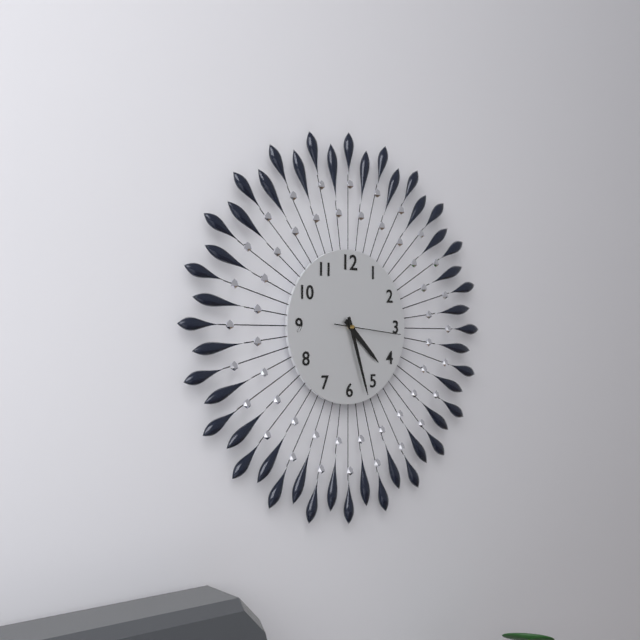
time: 4:27:16
